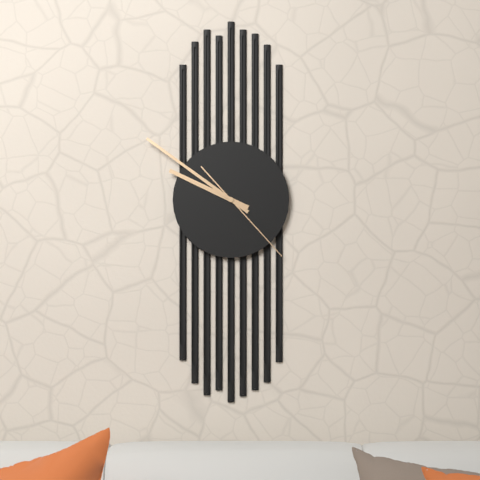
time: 9:51:23
